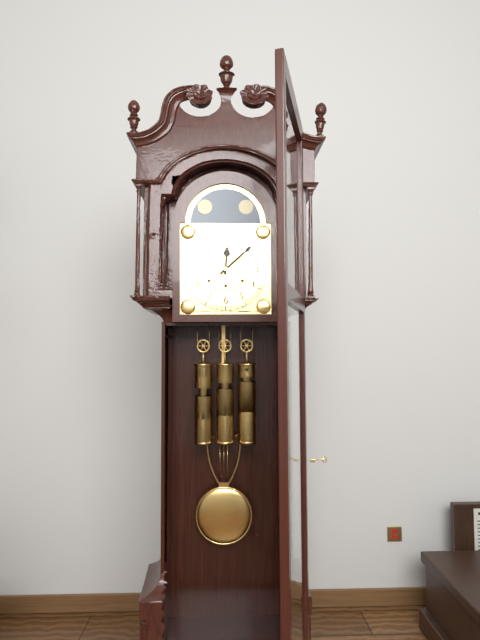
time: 12:08
